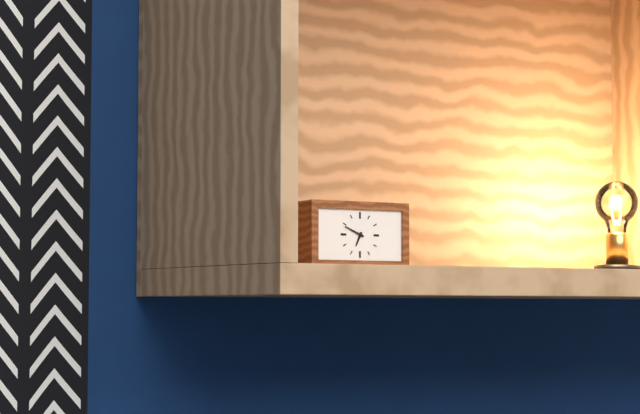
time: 6:49
